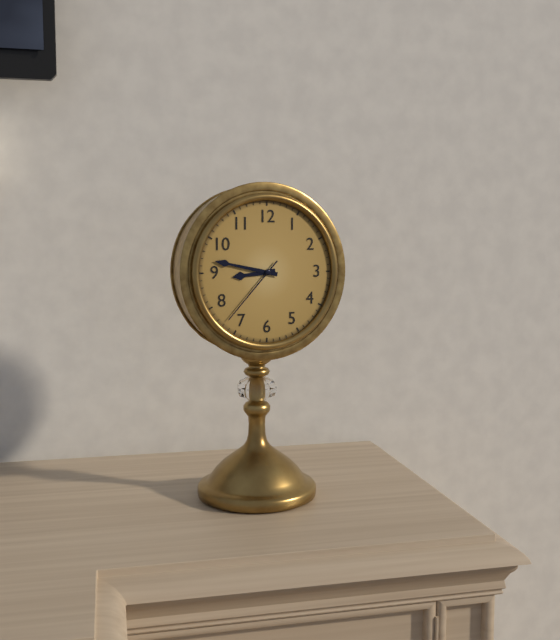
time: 8:47:37
